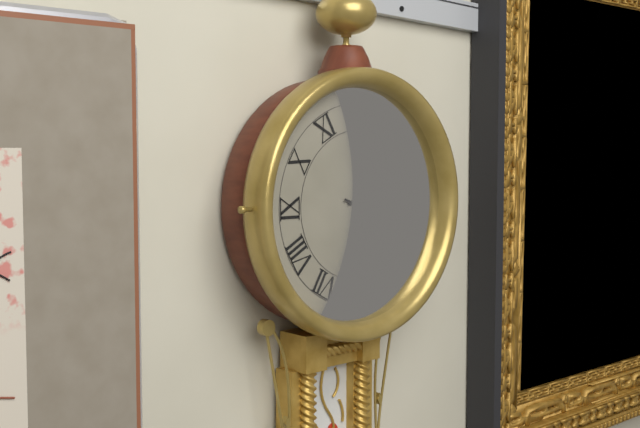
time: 3:18
